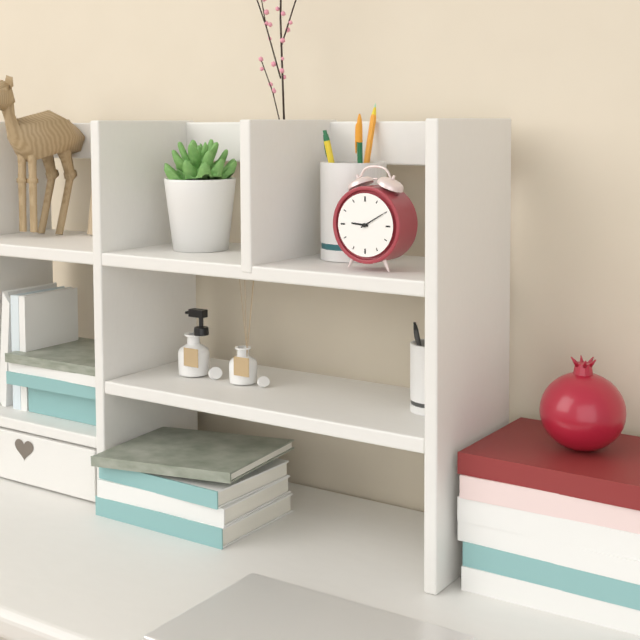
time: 9:10
